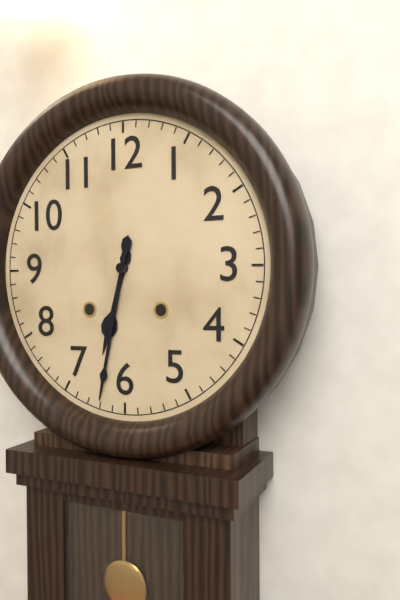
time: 6:32
